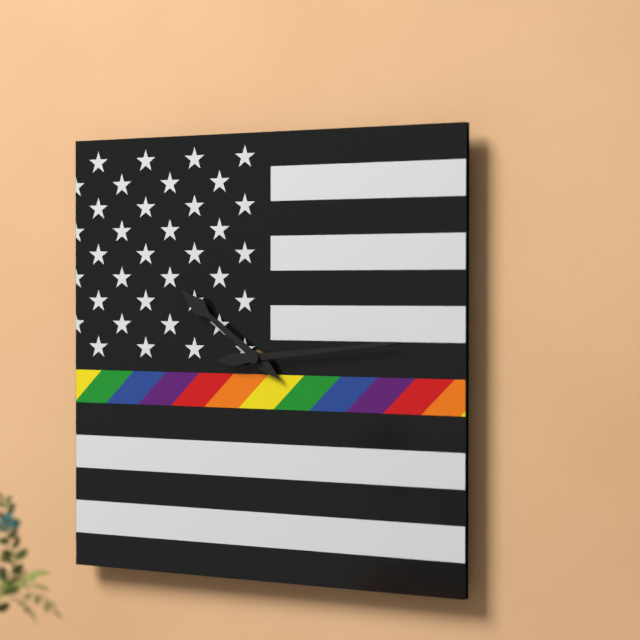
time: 10:14
